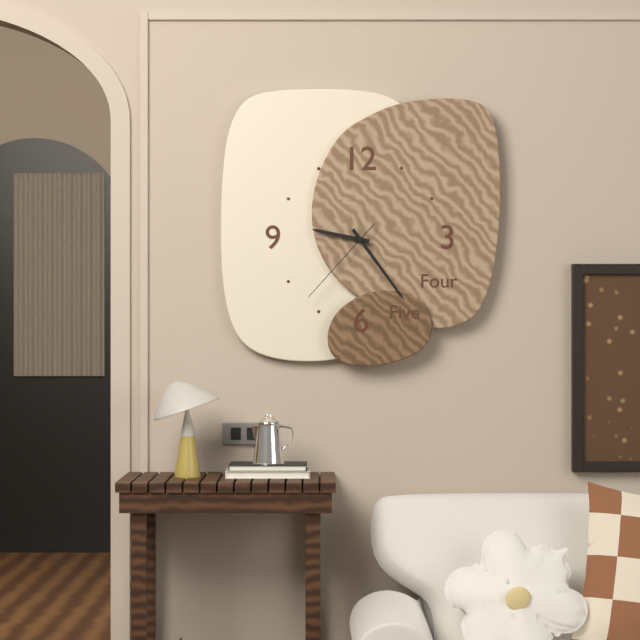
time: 9:24:37
